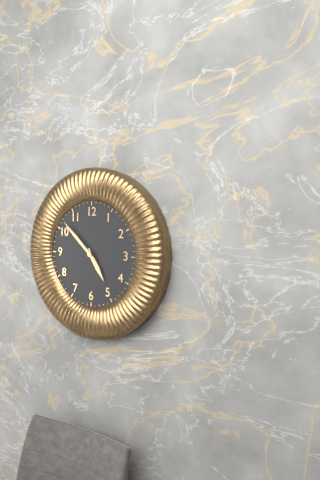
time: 4:52
